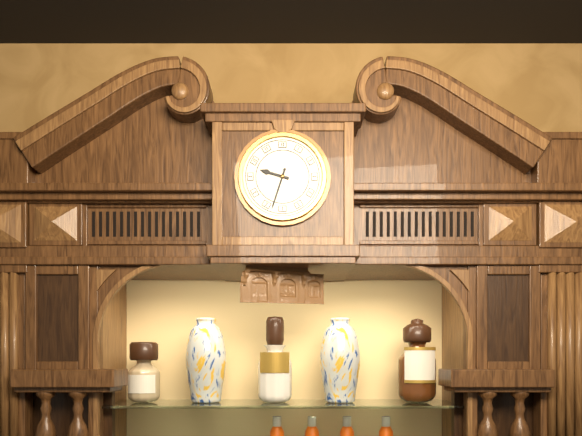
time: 9:33
